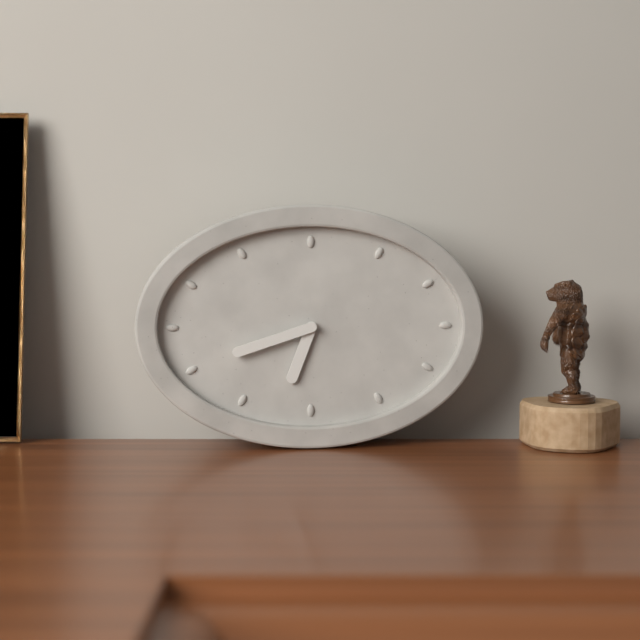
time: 6:42
